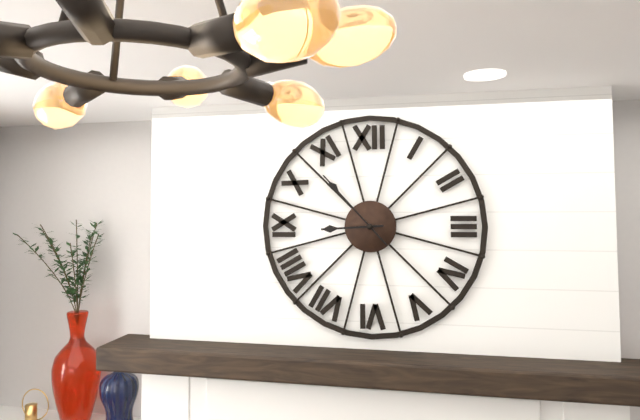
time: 8:53
